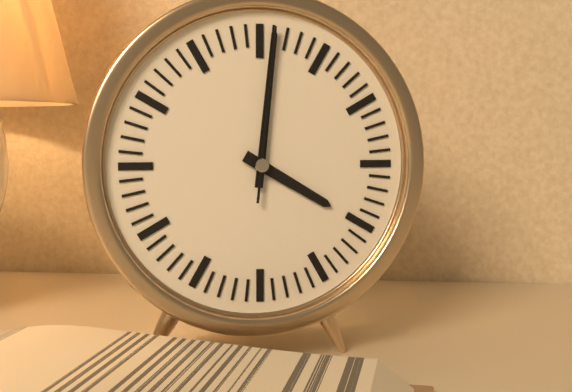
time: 4:01:01
